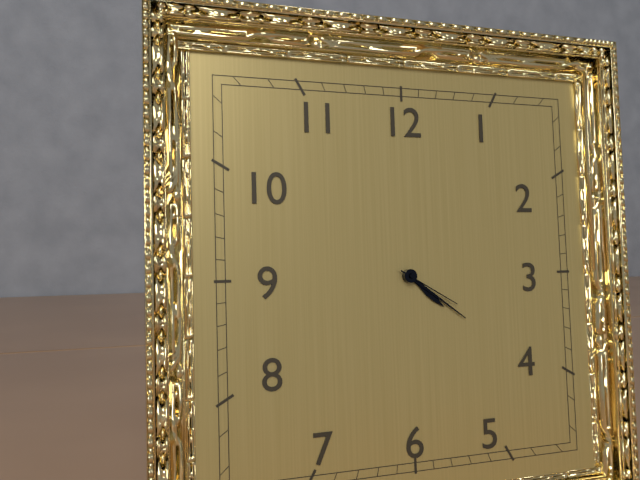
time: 4:21:20
